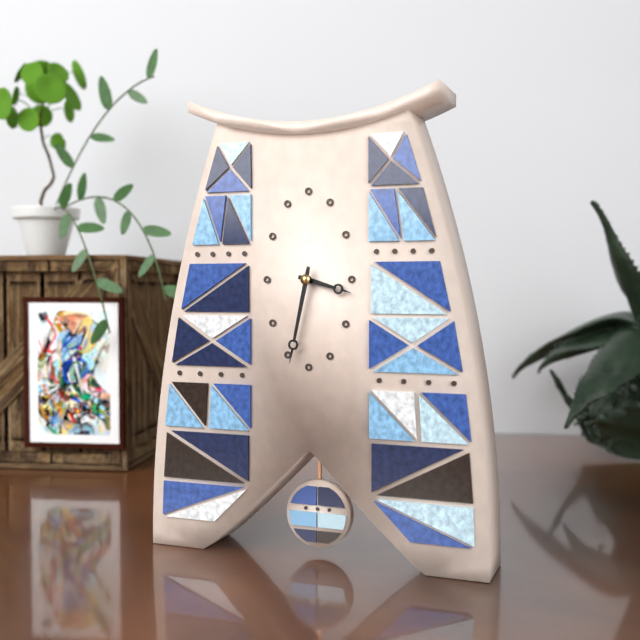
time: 3:32
